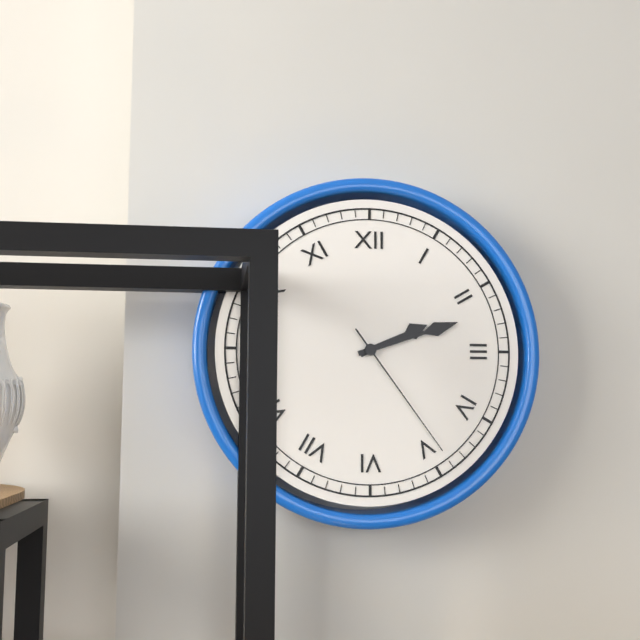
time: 2:12:24
